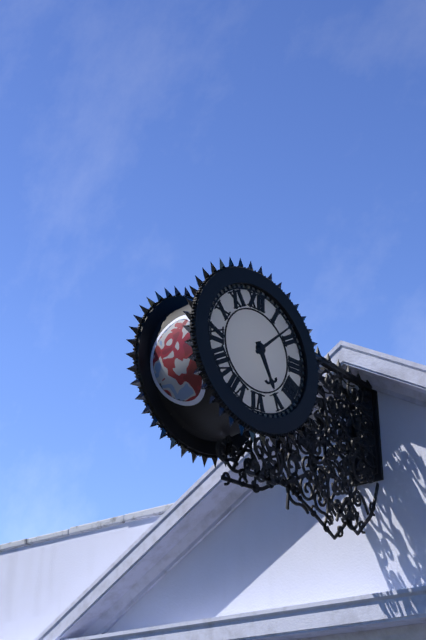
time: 5:08
